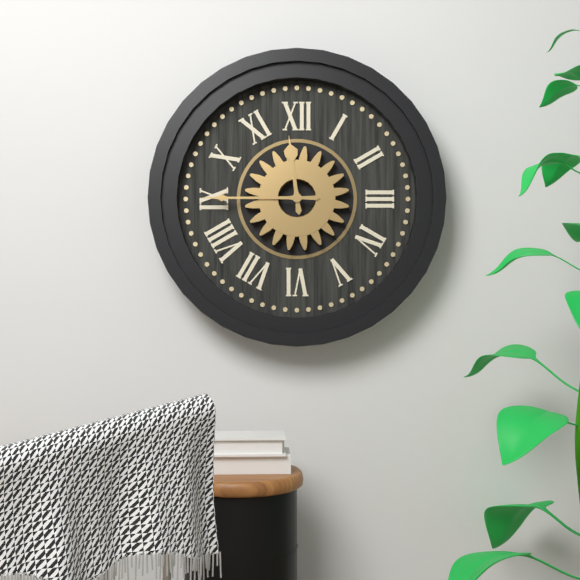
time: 11:45
